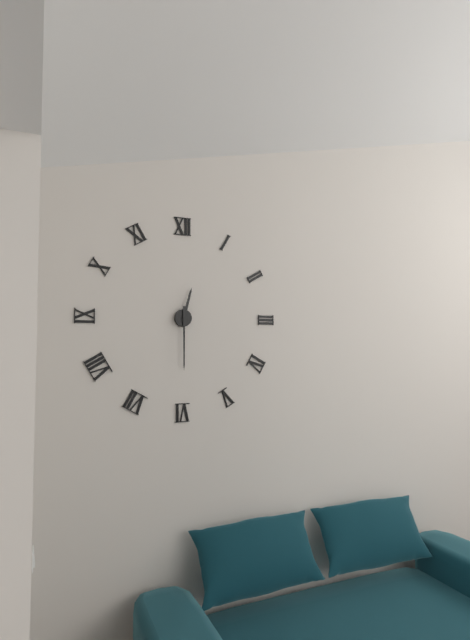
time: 12:30
